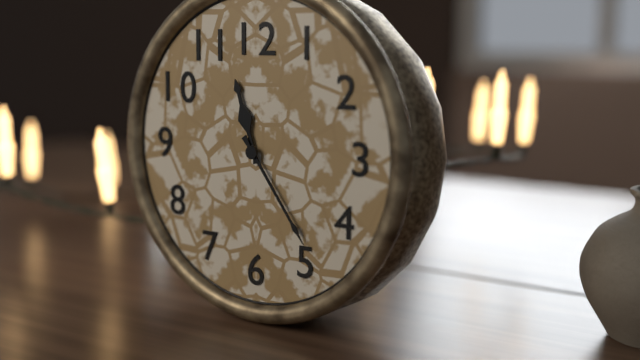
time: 11:24
